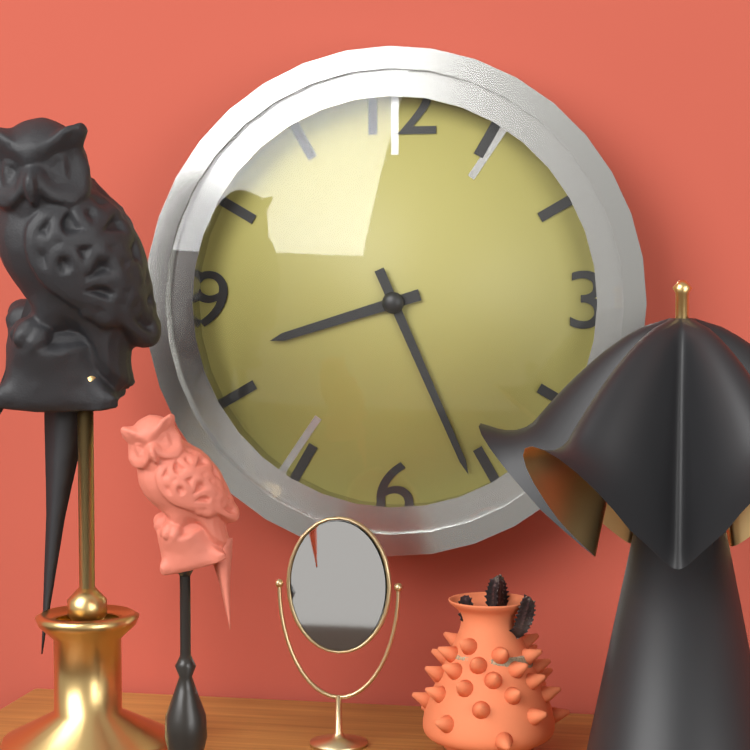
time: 8:26
